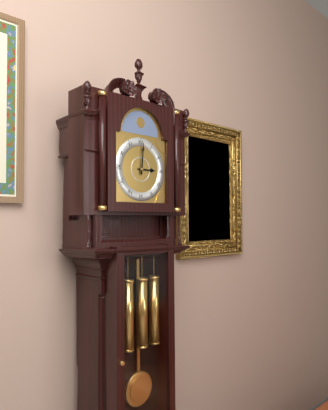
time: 3:01
